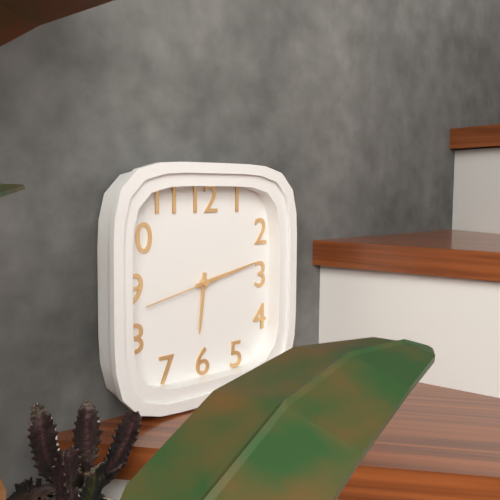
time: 6:13:43
